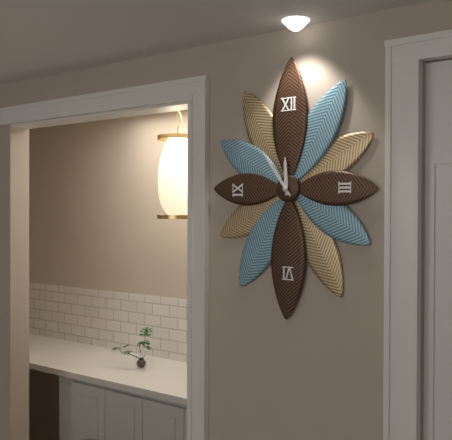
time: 11:54
